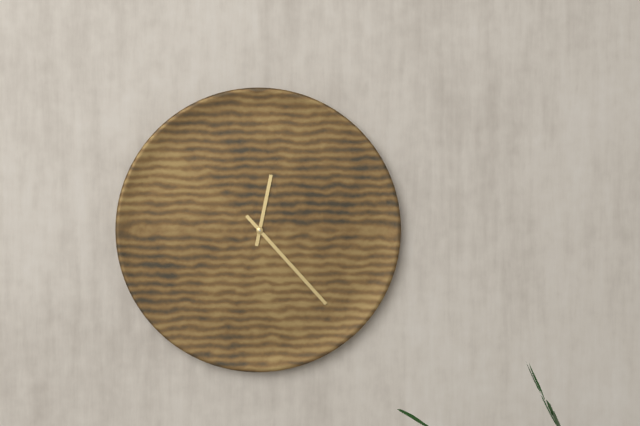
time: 12:23
